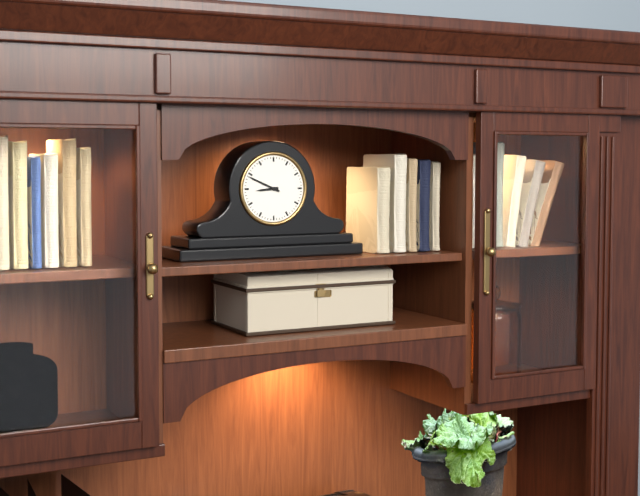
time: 8:49
